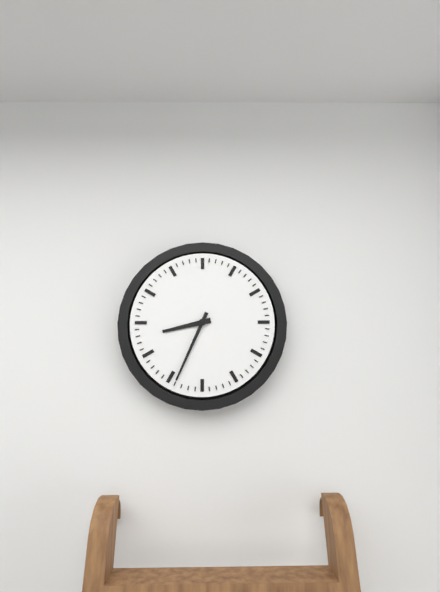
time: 8:34
